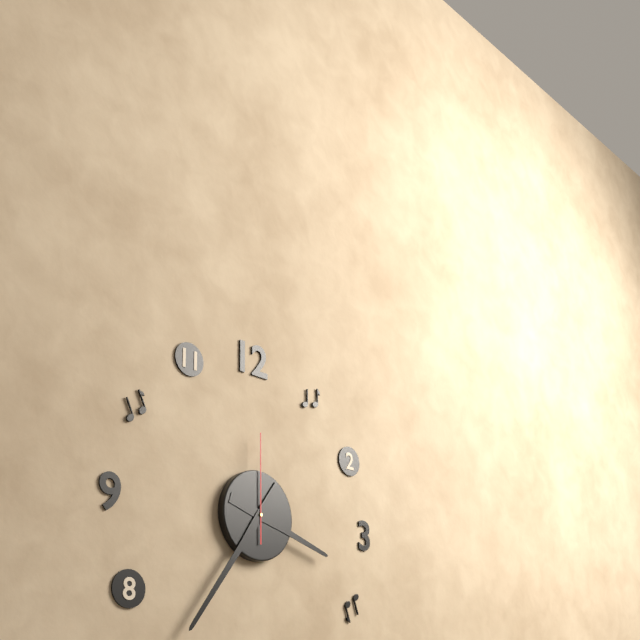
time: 3:36:00
